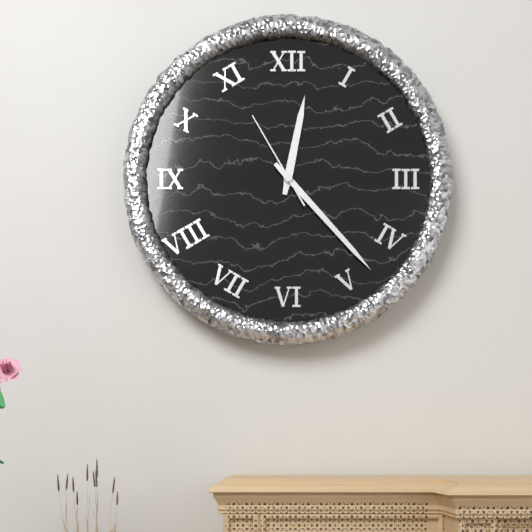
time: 12:23:55
